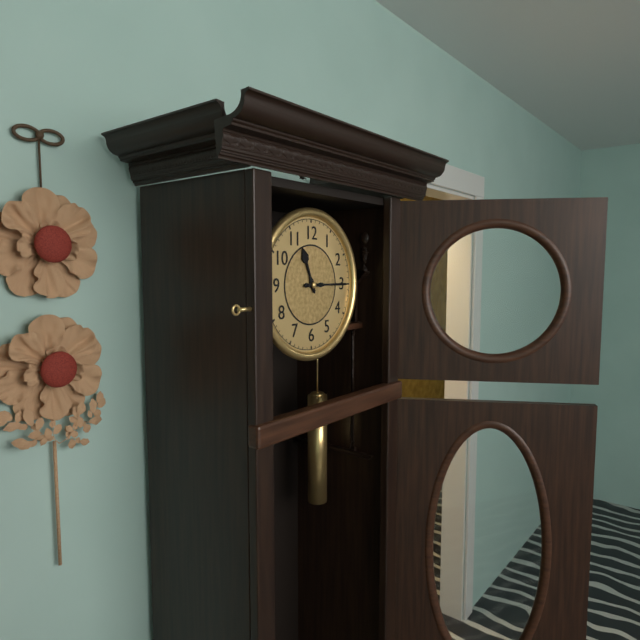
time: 11:15
